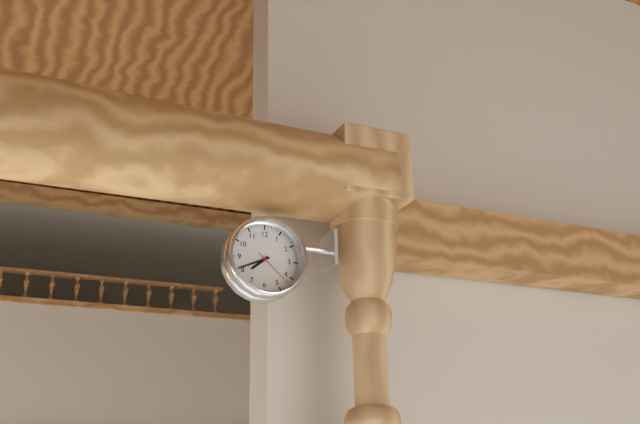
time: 7:41
